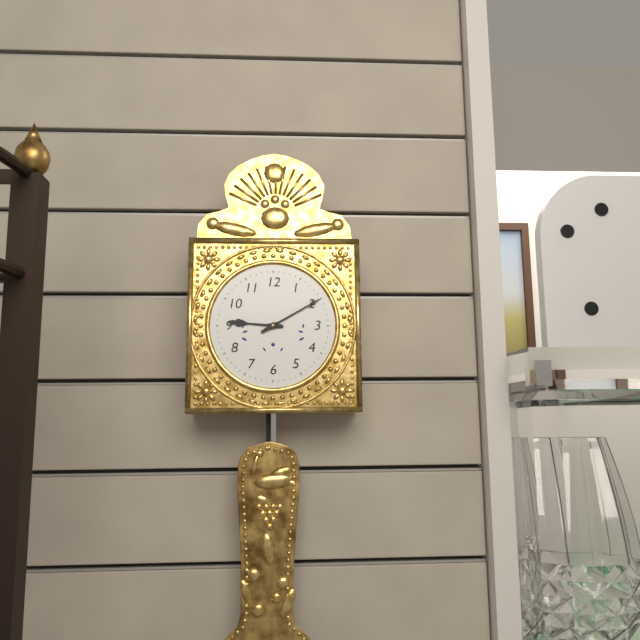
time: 9:10
